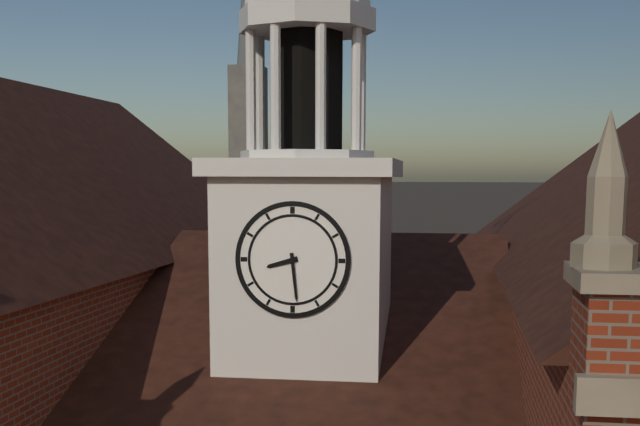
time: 8:29
